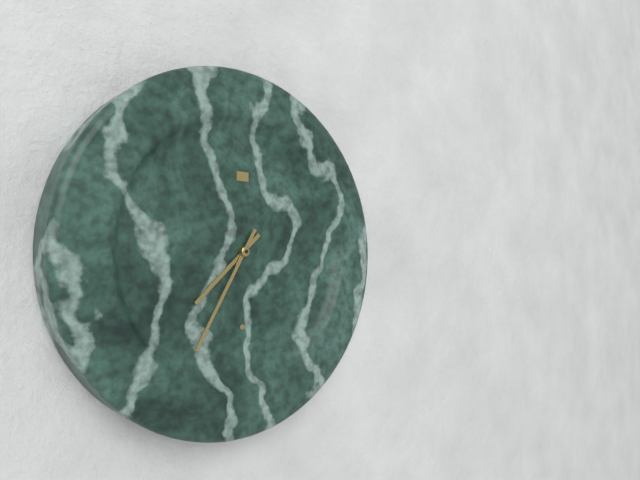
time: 7:35
